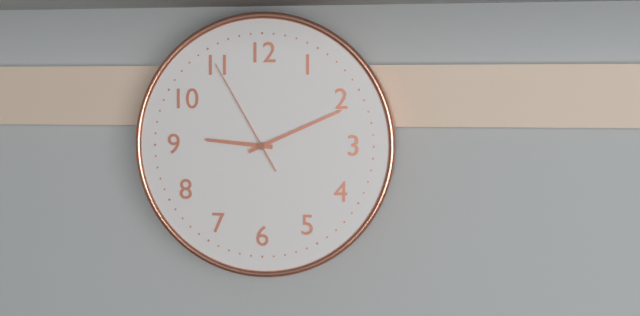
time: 9:11:55
